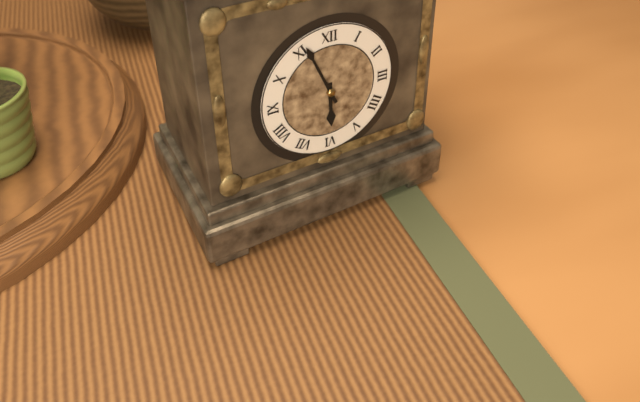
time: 5:56
